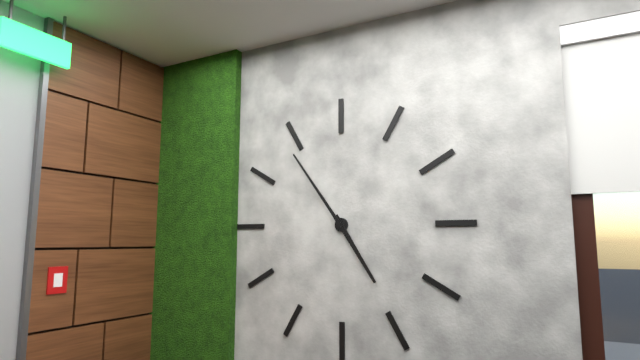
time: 4:54
